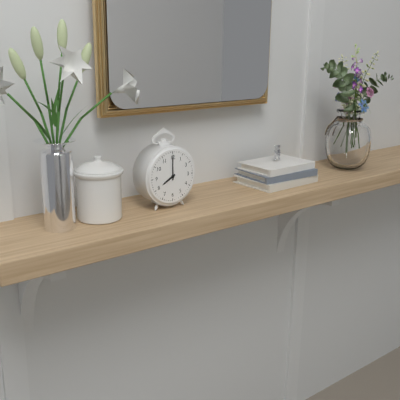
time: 8:00
